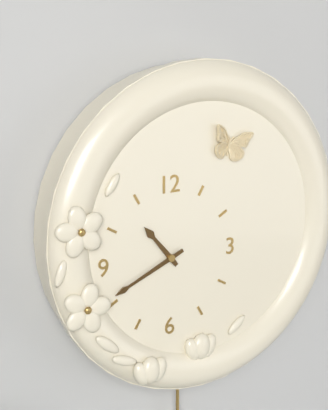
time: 10:41
